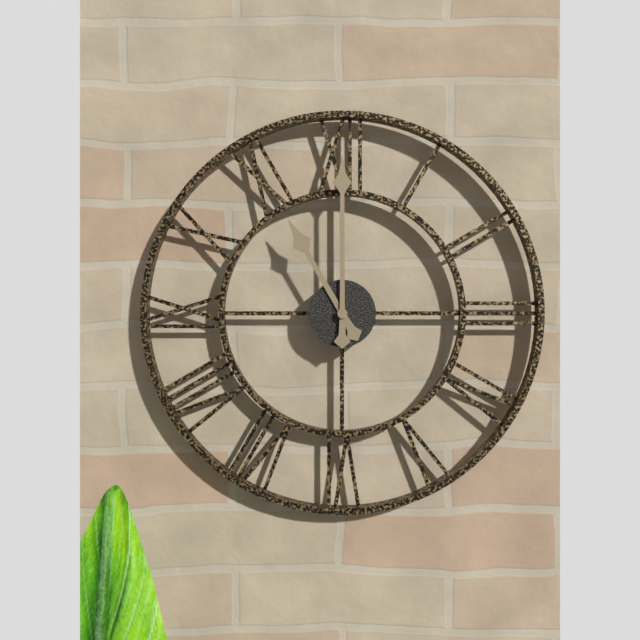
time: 11:00
